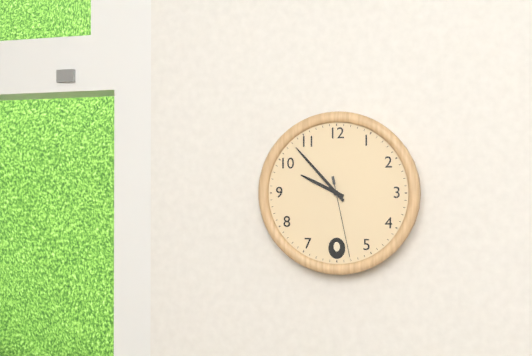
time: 9:53:28
